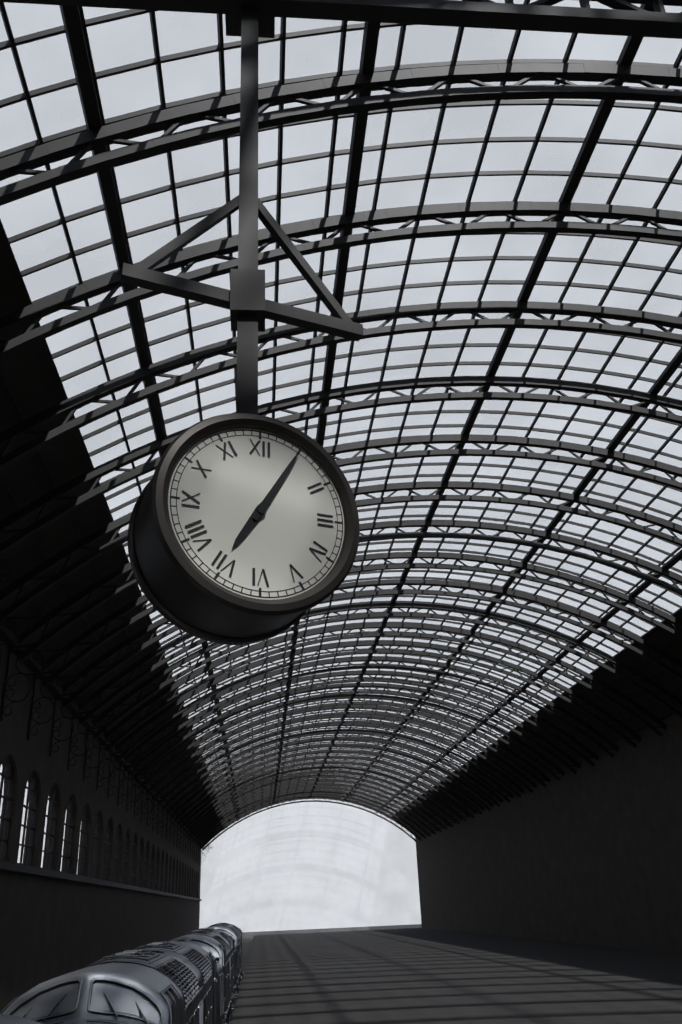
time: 7:05
